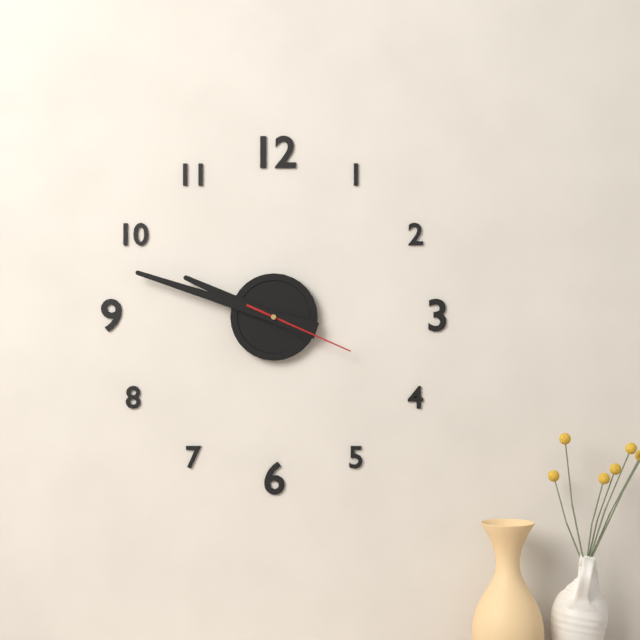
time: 9:48:19
